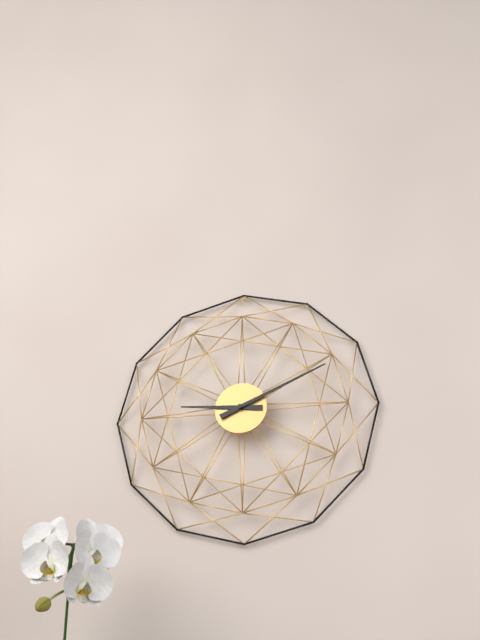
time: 9:11
